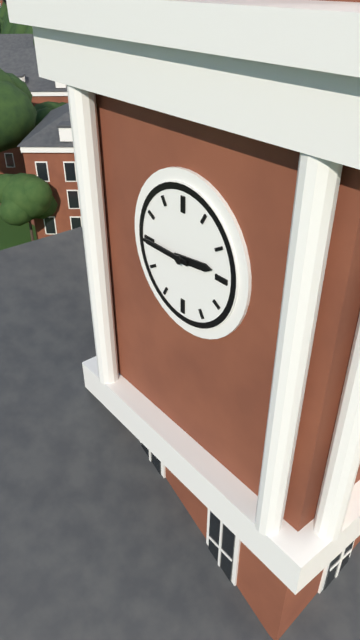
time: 2:45
